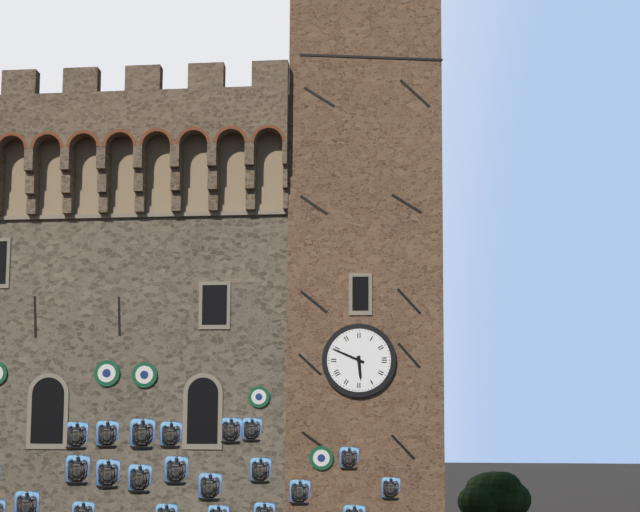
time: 5:49
